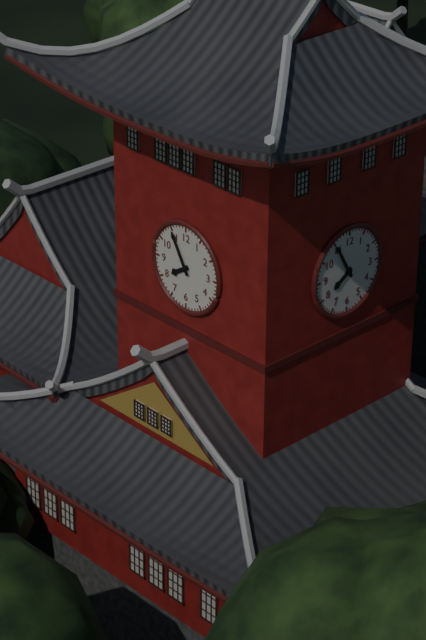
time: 7:55
